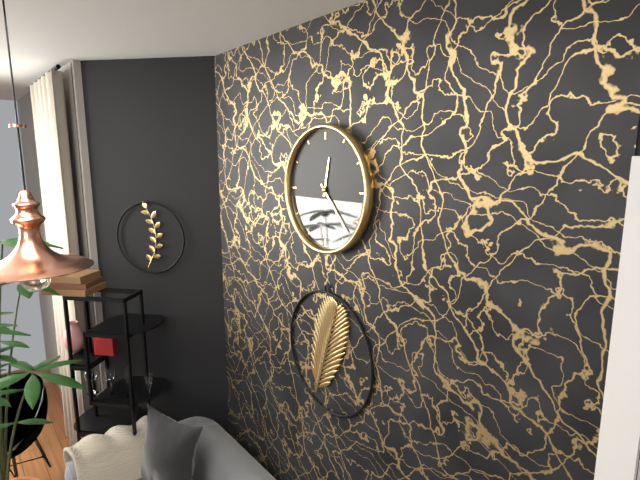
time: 12:23
